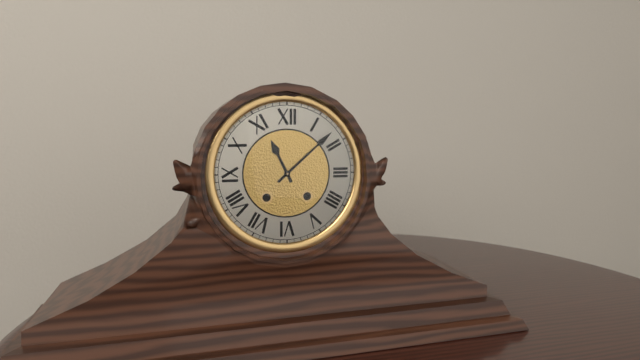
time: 11:08
